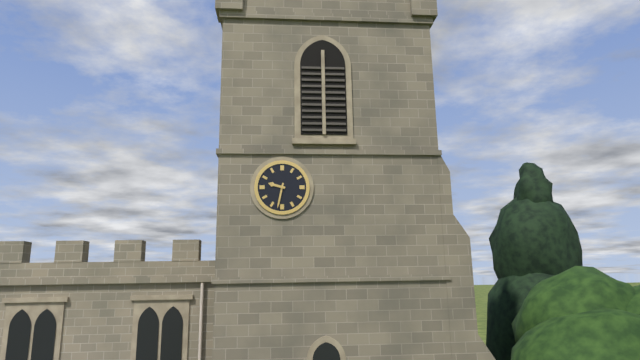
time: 9:32
